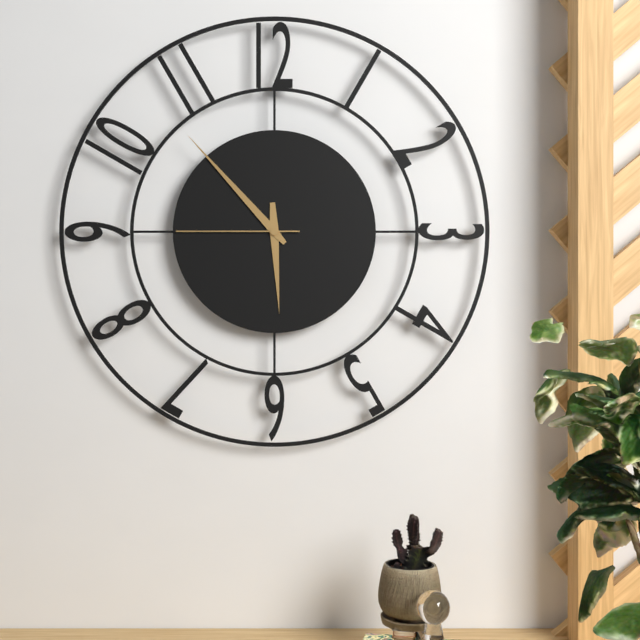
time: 5:53:45
